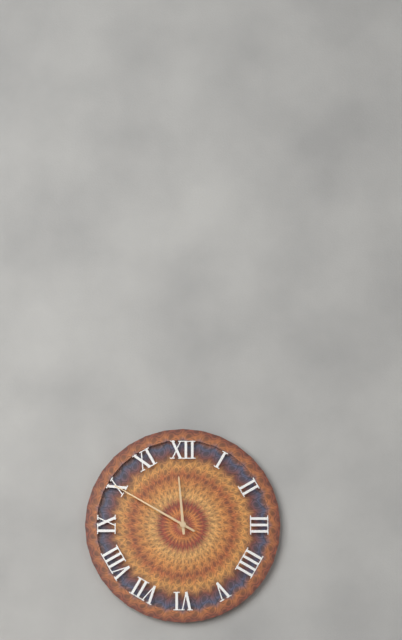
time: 11:50
